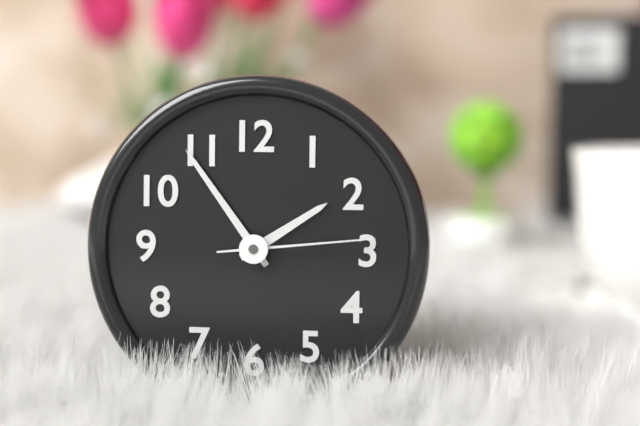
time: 1:54:14
